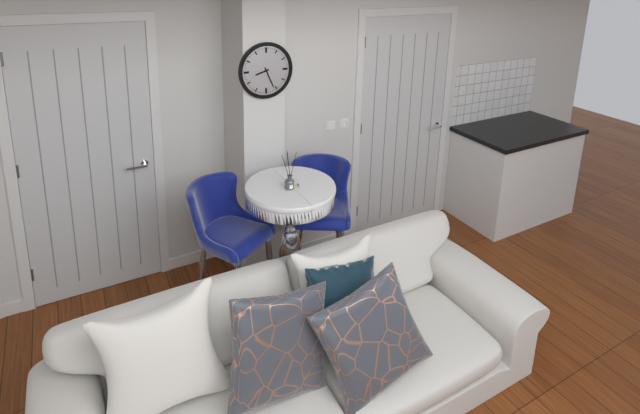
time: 8:26
